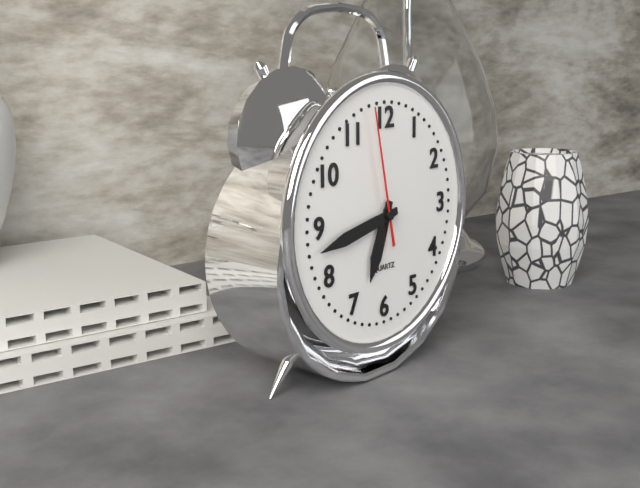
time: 6:43:58
